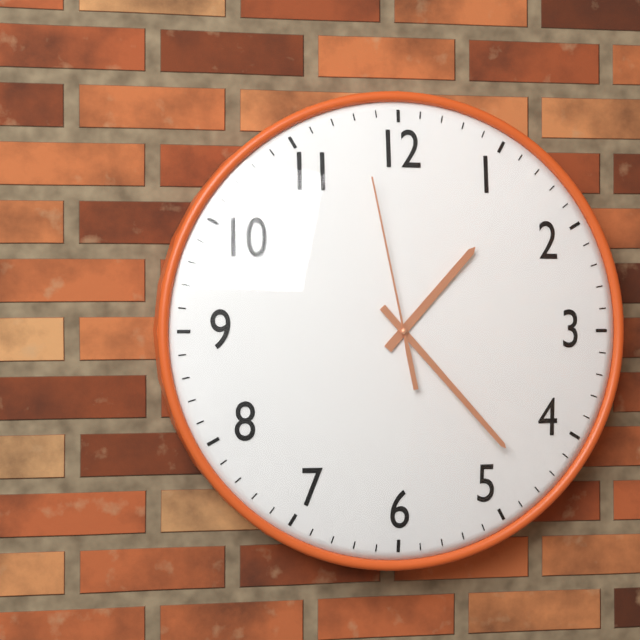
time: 1:23:58
